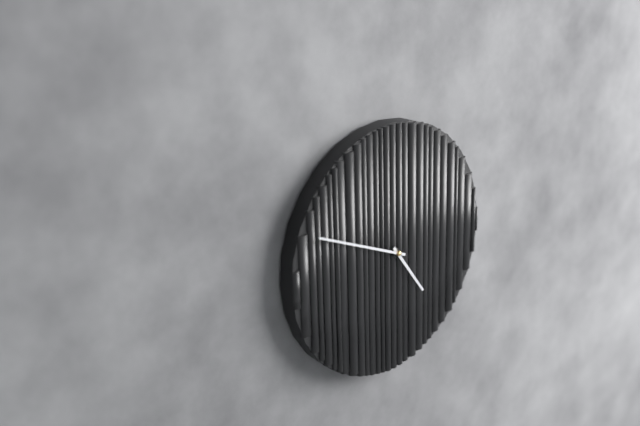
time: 4:49
